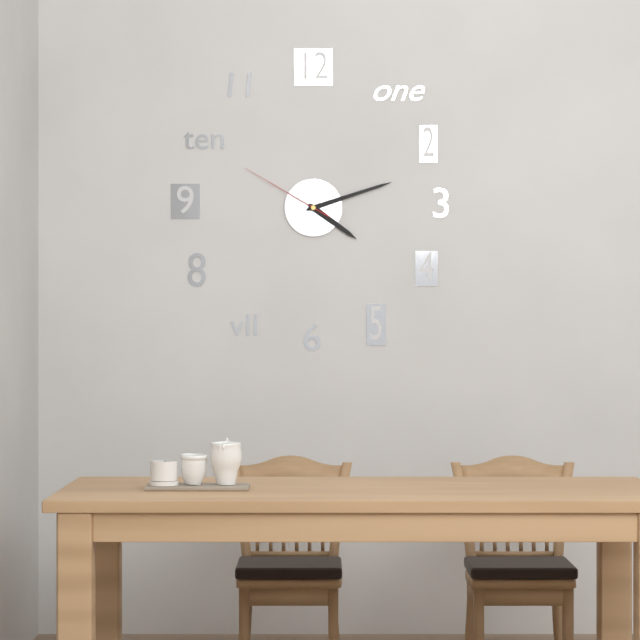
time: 4:12:50
